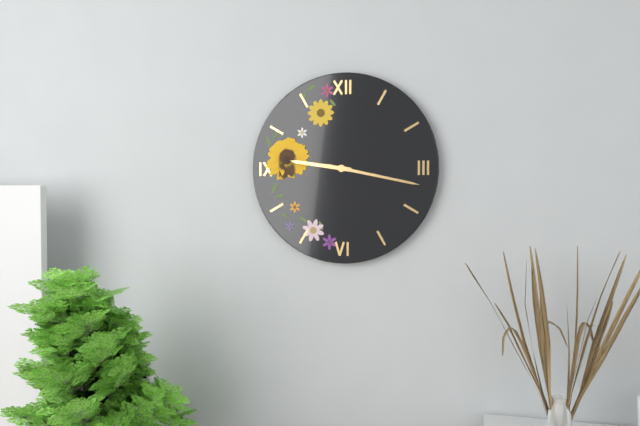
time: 9:17
